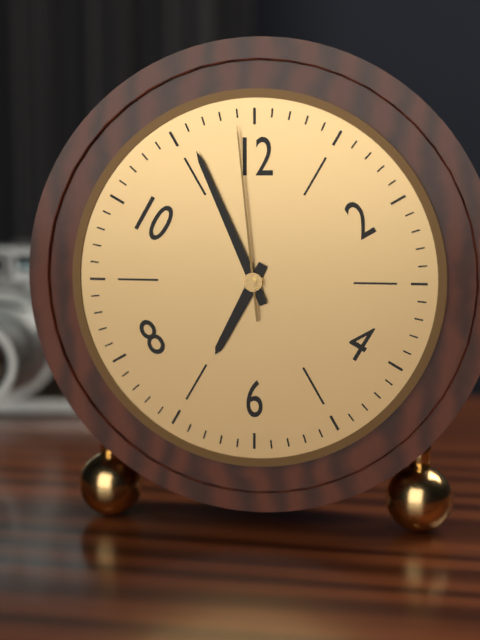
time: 6:56:59
